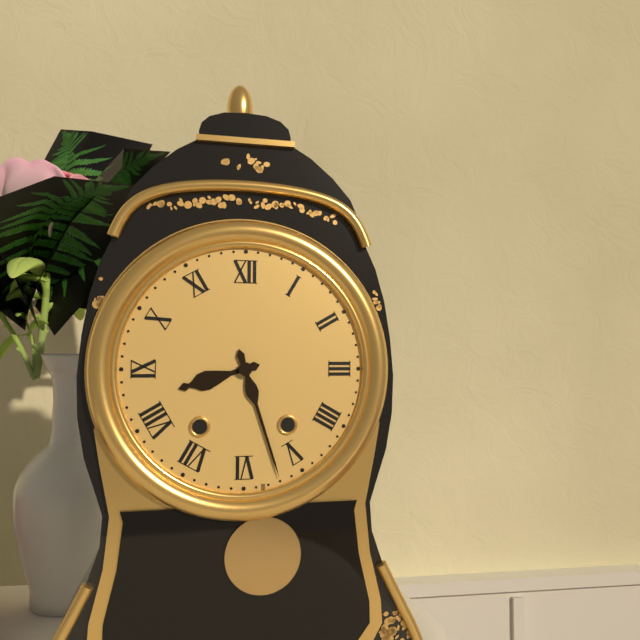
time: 8:27
